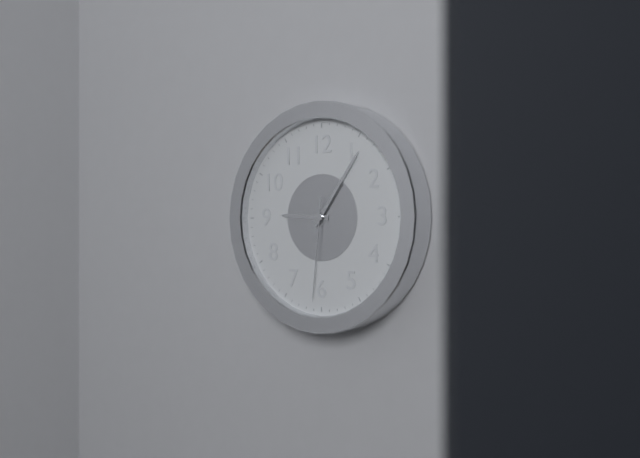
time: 9:06:31
